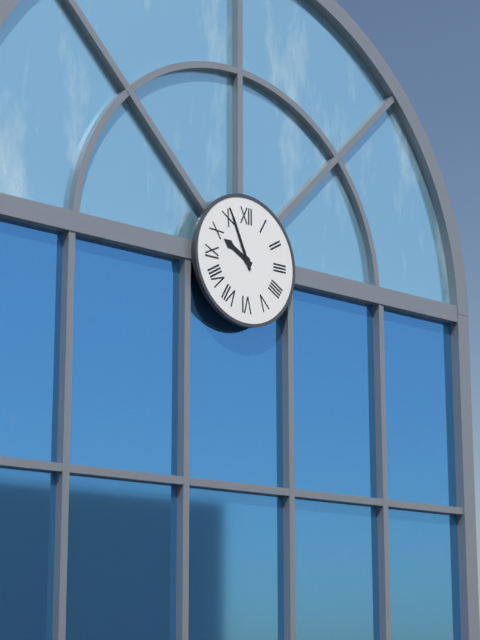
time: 9:56
